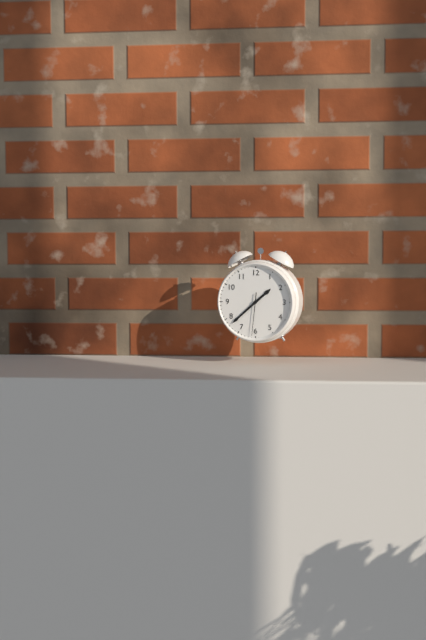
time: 1:38
